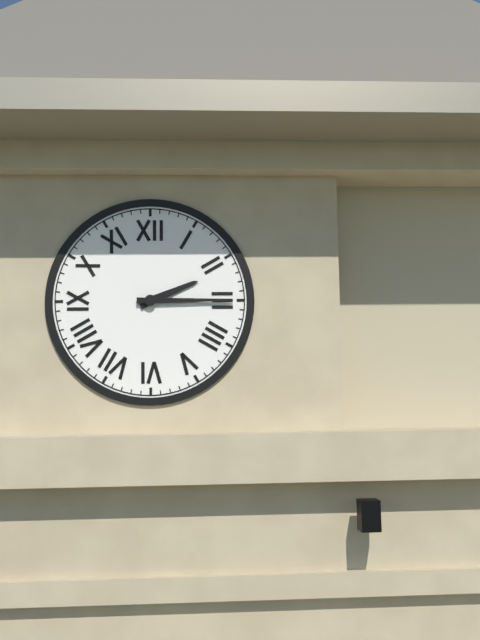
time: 2:15
